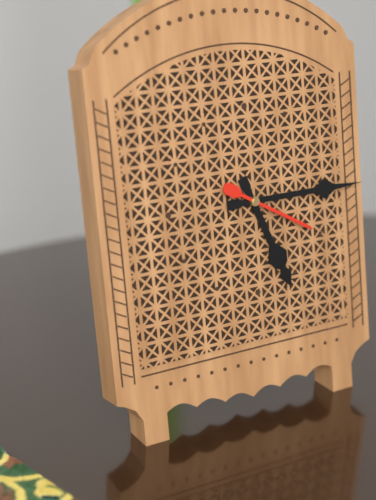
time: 5:15:20
